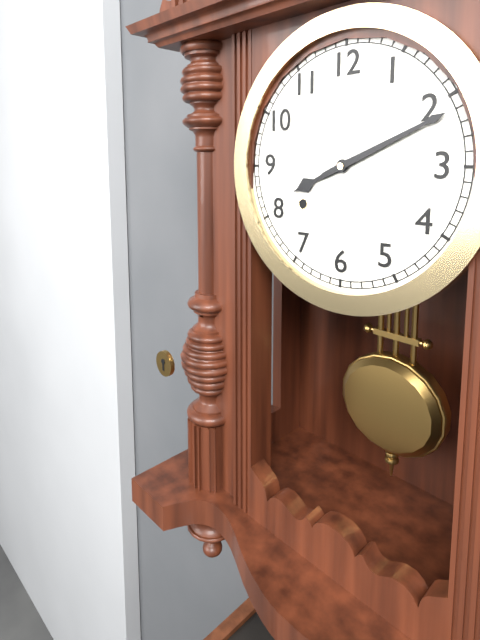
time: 8:11
